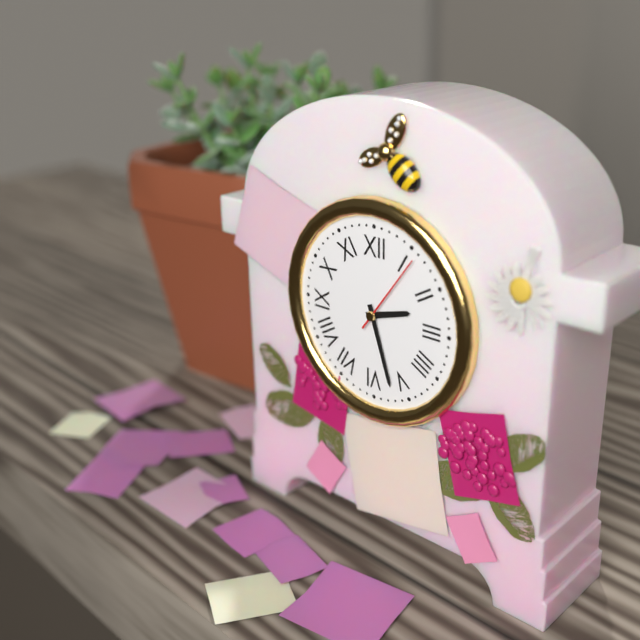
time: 2:27:06
